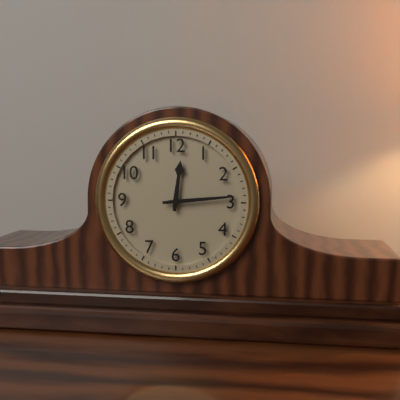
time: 12:14
